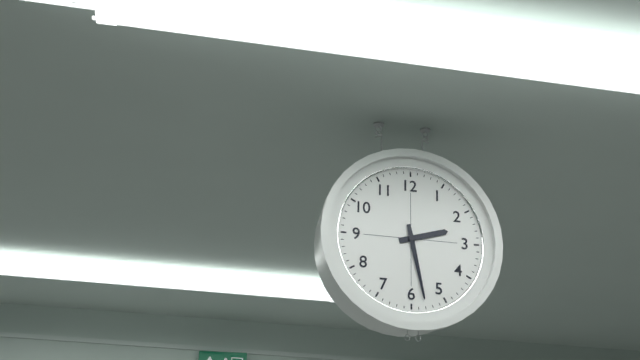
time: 2:28
